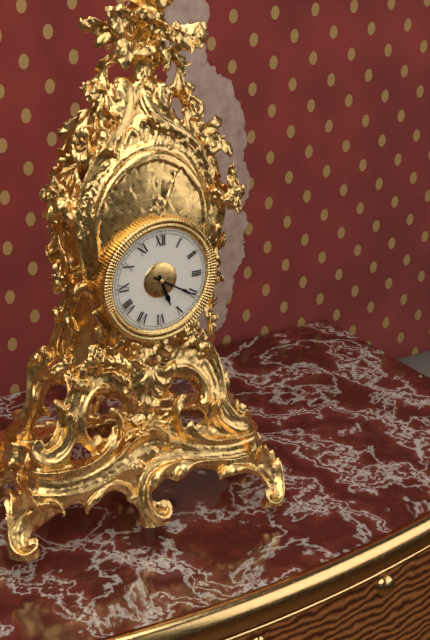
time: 5:20
